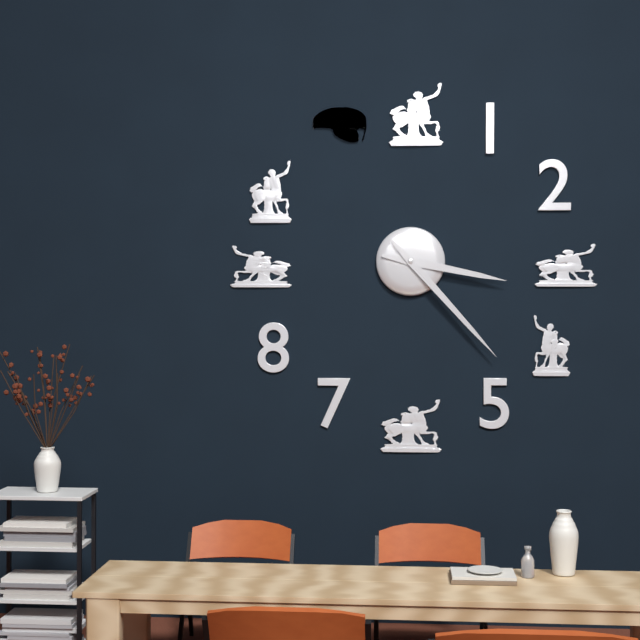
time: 3:23
